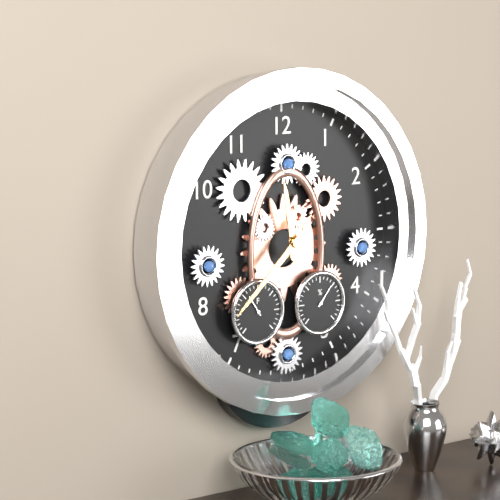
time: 11:38
